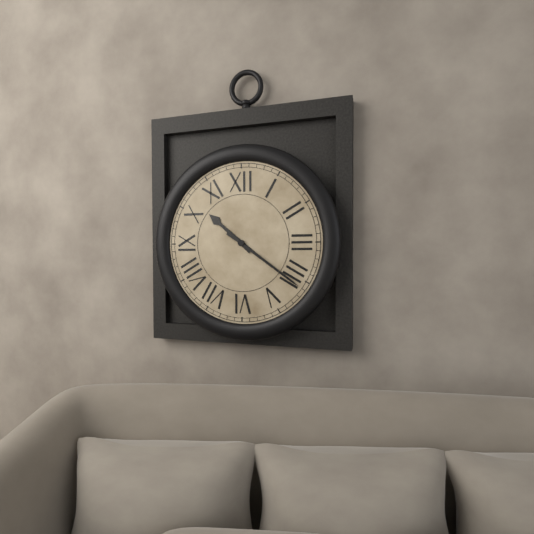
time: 10:21
